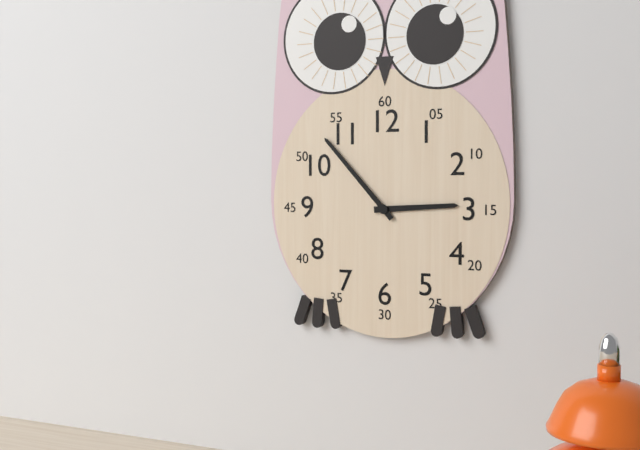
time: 2:53
